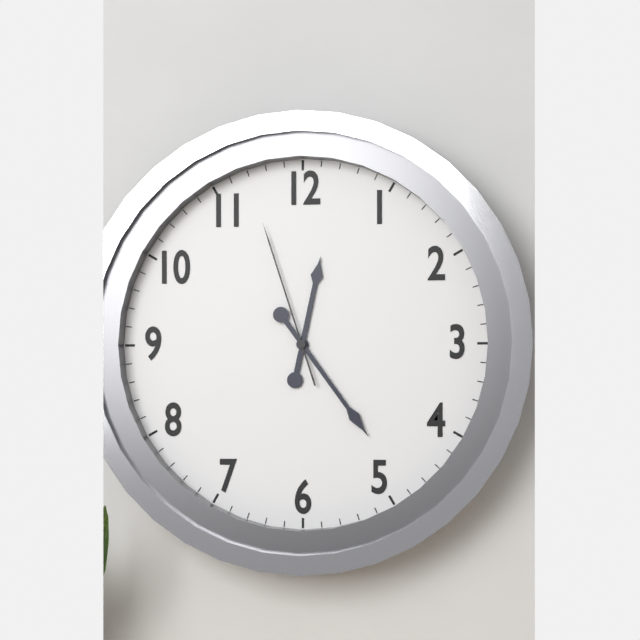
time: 12:24:57
